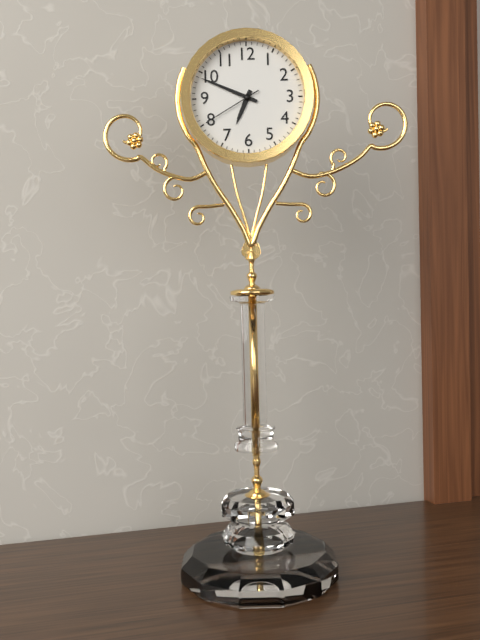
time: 6:49:40
